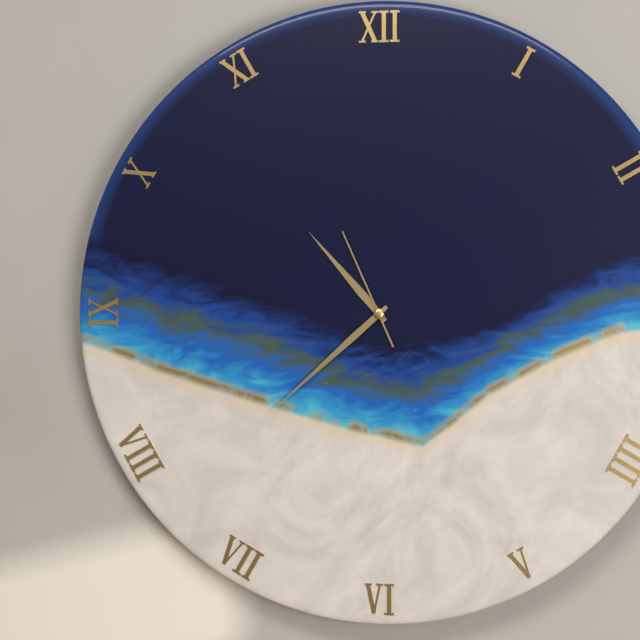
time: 10:38:56
